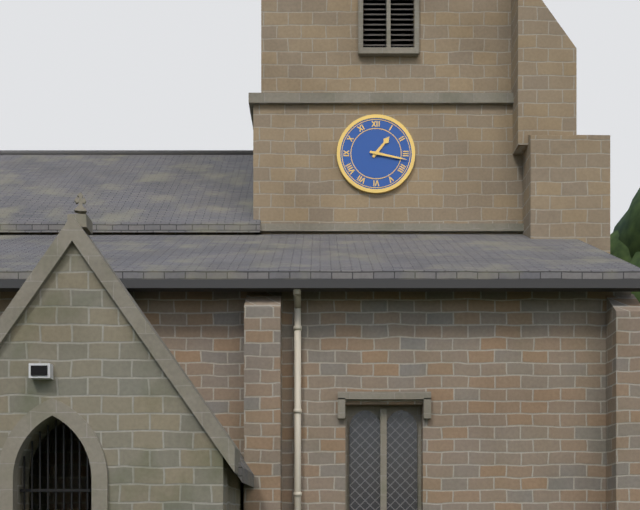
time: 1:17
